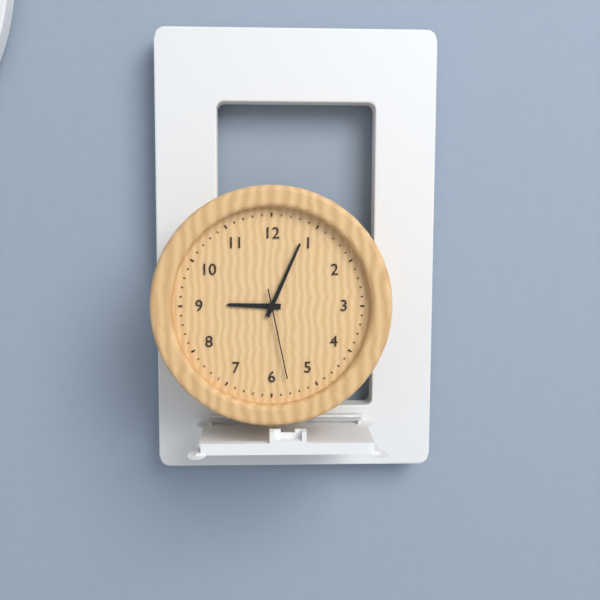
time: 9:04:28
